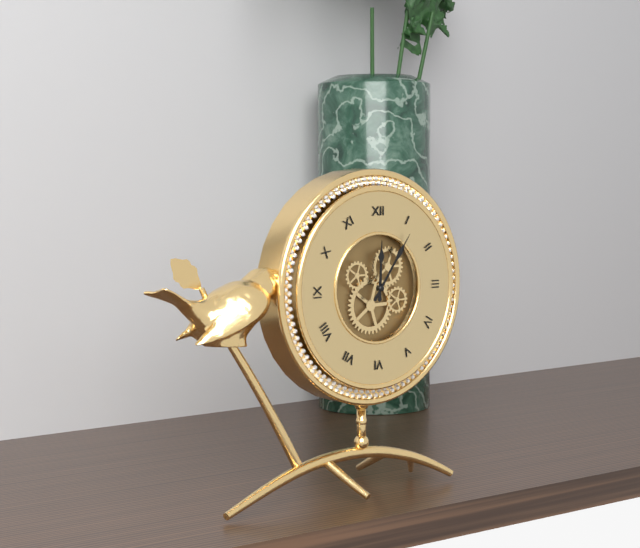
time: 12:06
